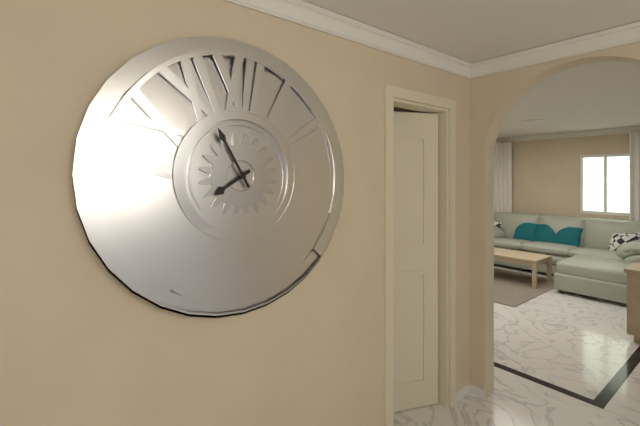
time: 7:55
